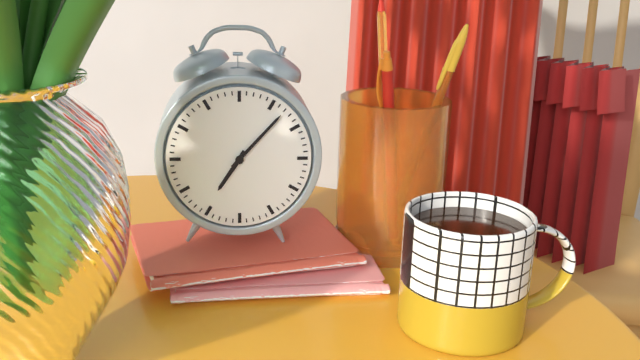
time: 7:07
